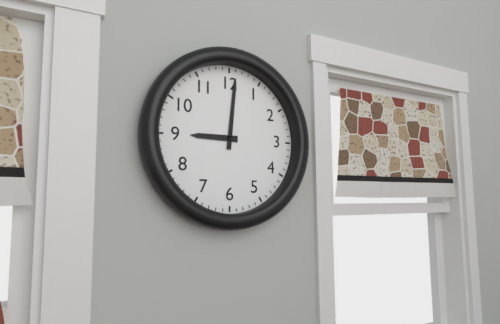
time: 9:01
